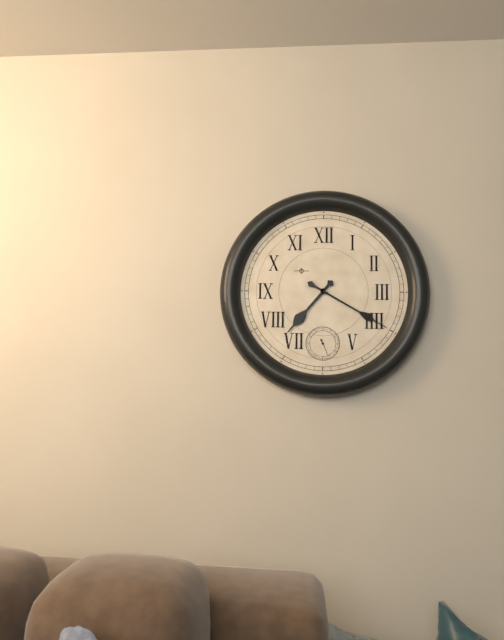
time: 7:20
